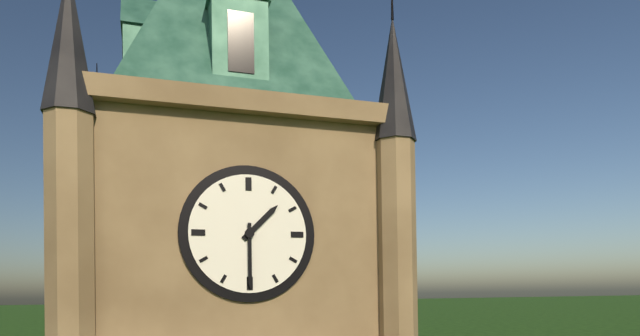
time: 1:30
